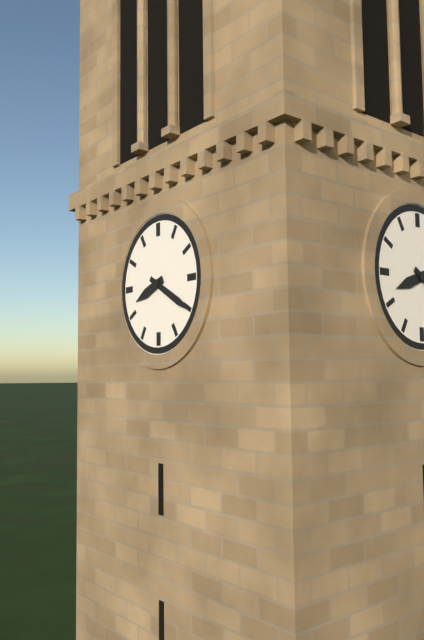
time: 8:20
